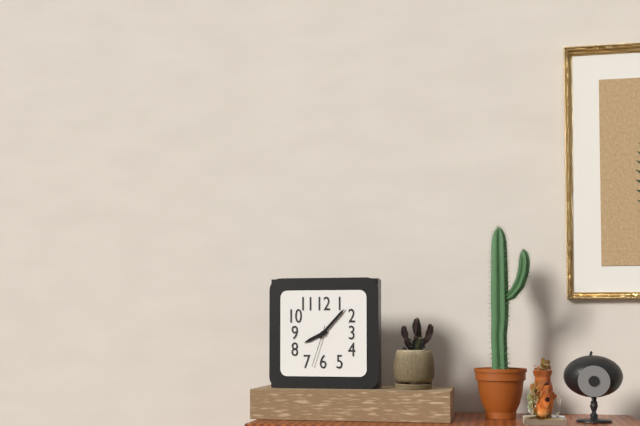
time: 8:07
